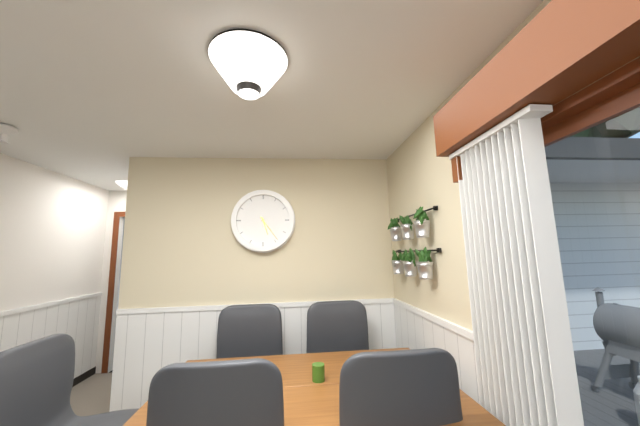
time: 5:24
